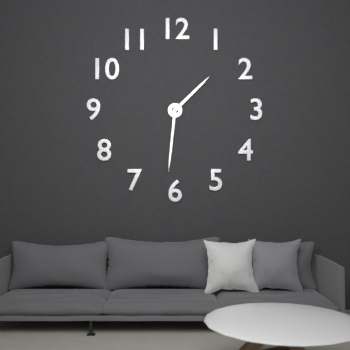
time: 1:31
